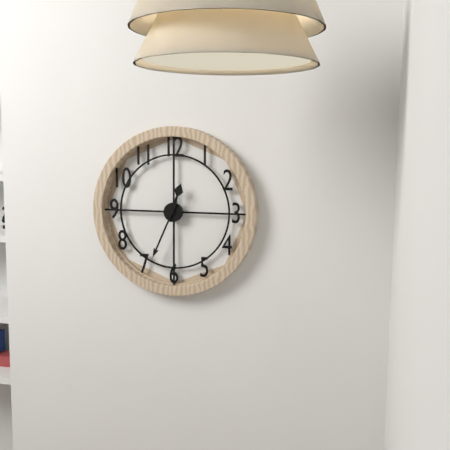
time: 12:34
